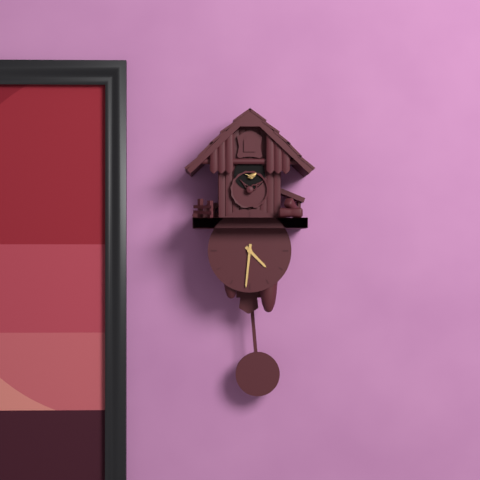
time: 4:31
